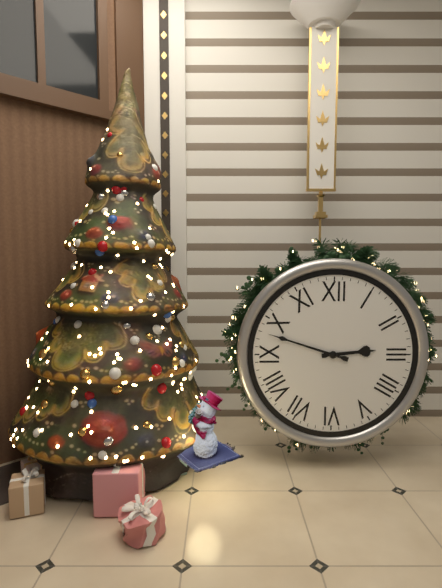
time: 2:48
